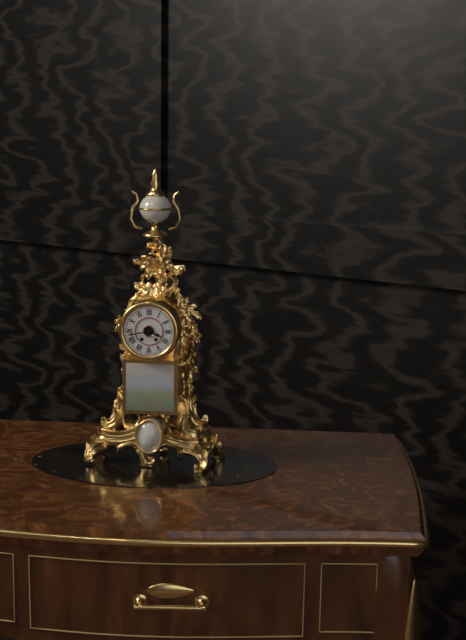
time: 3:43
